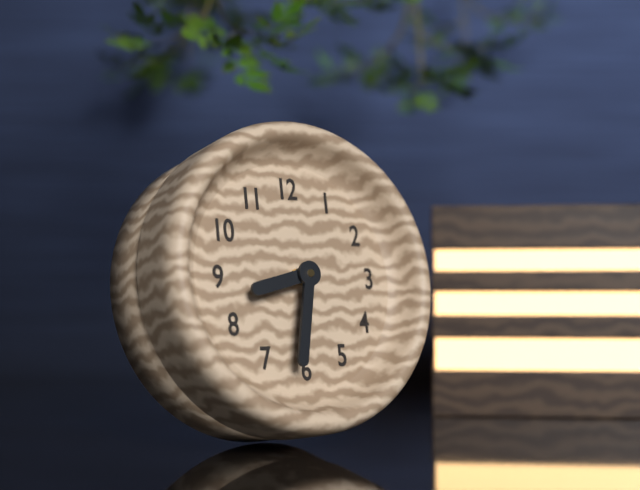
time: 8:32
